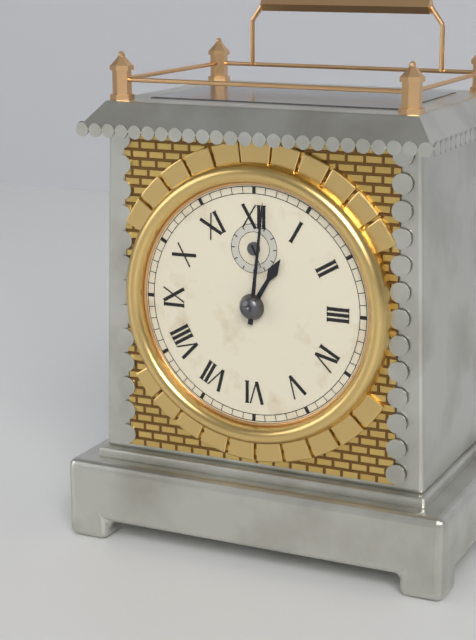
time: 1:01
